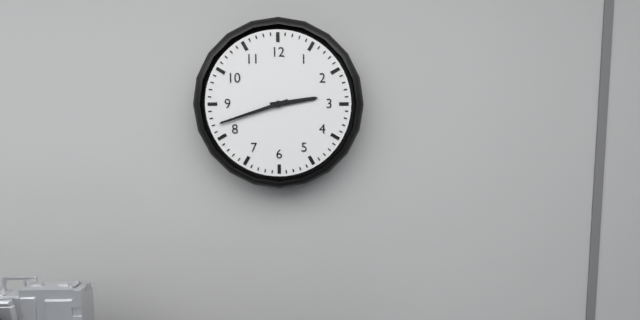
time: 2:42
